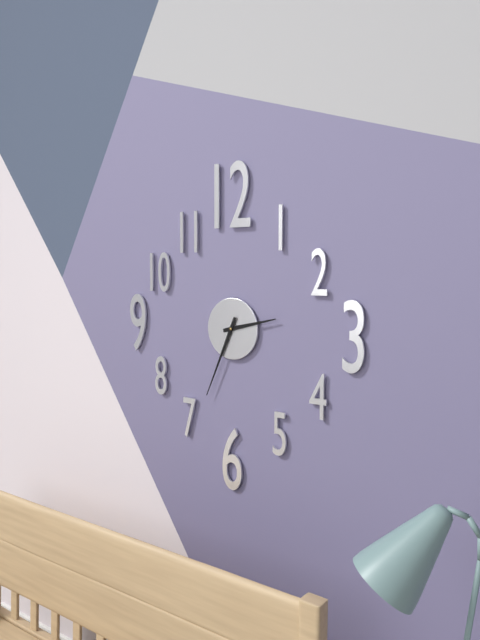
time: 2:34
